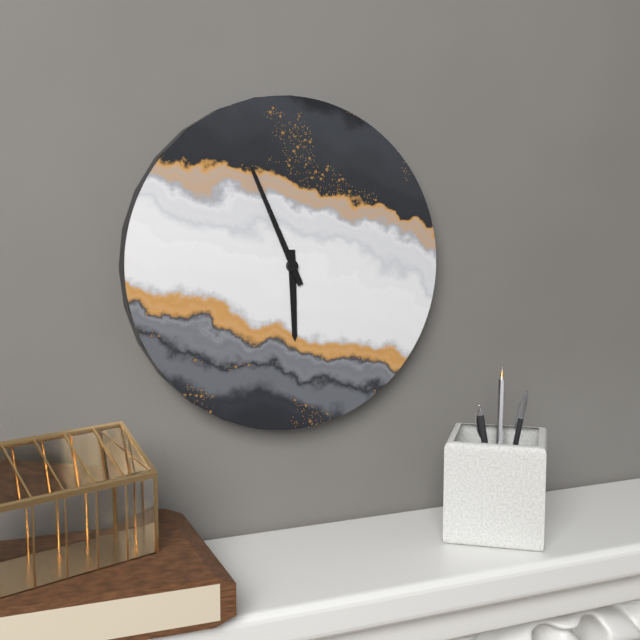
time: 5:56
